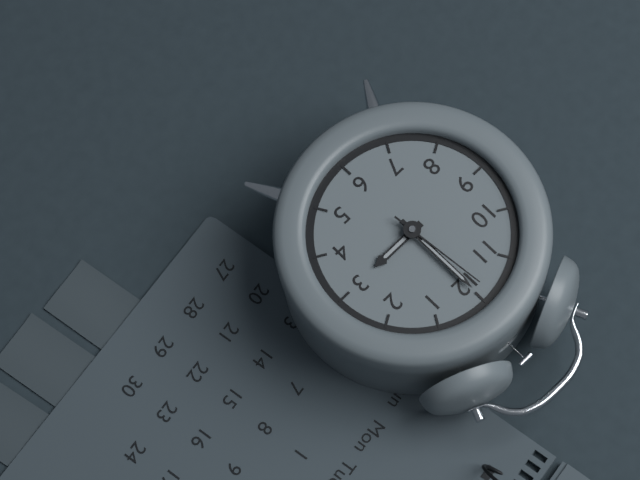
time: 3:00:59
